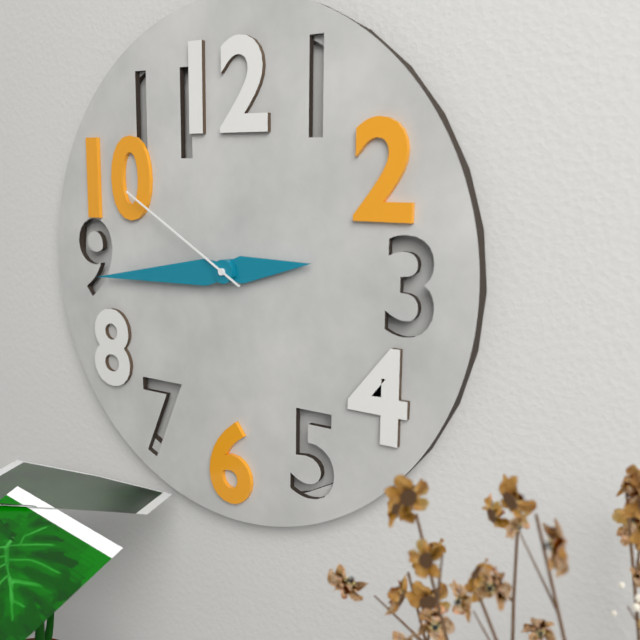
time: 2:44:50
